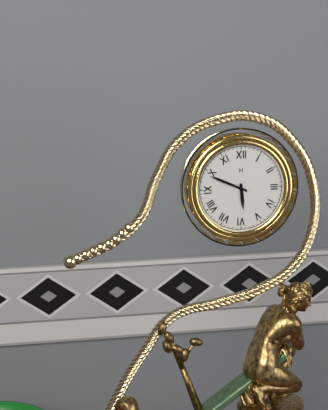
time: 5:49
